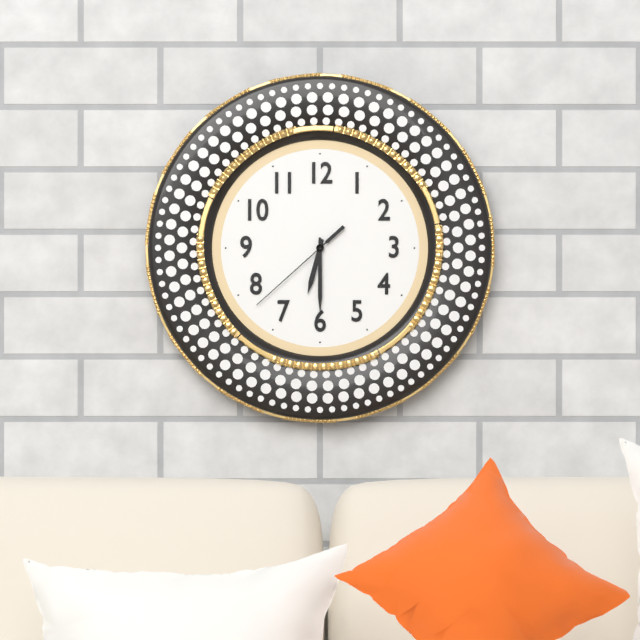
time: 6:30:38
